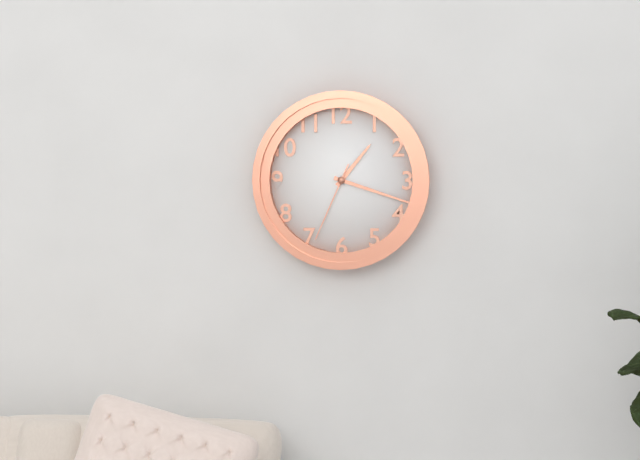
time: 1:18:34
